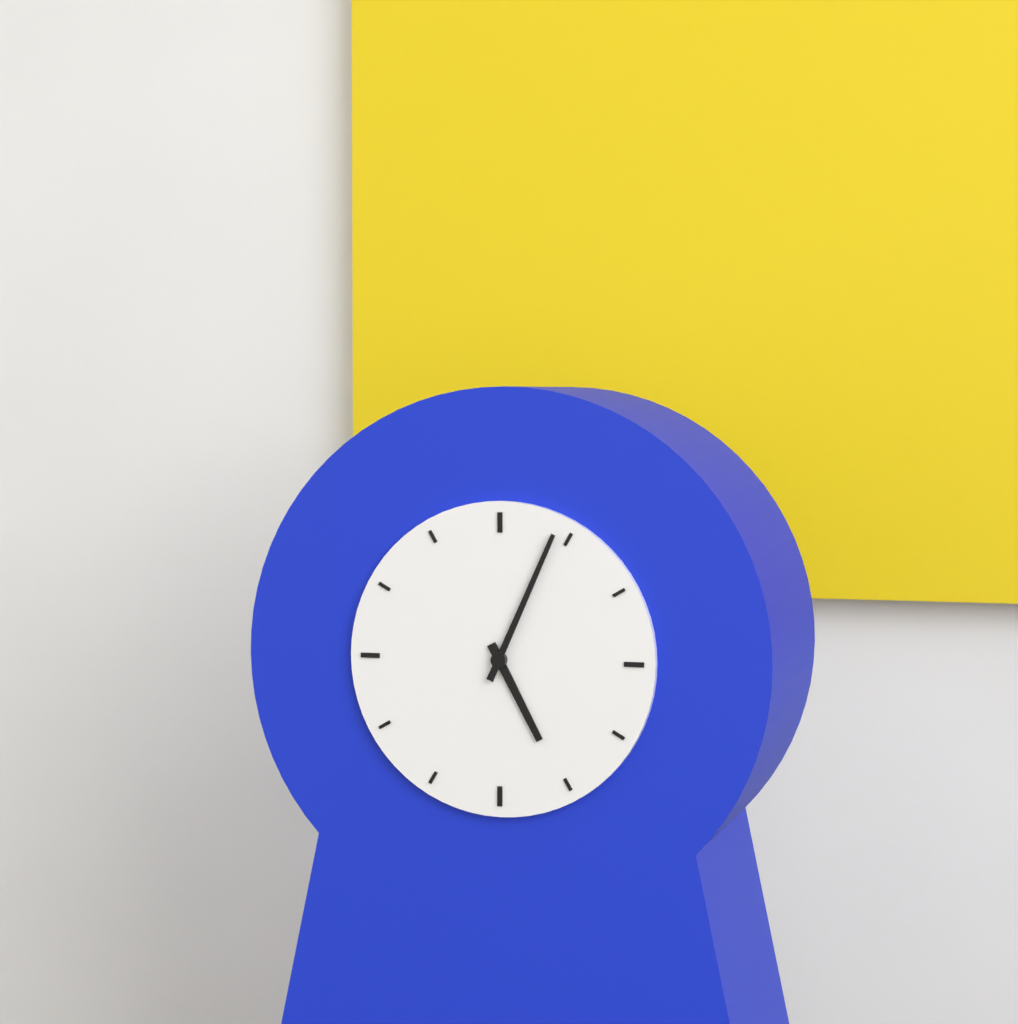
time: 5:04
